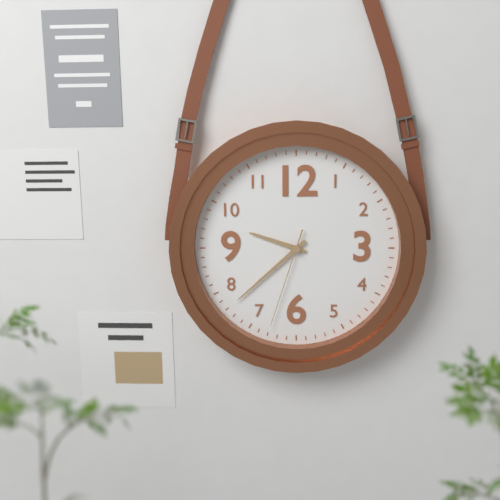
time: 9:38:33
